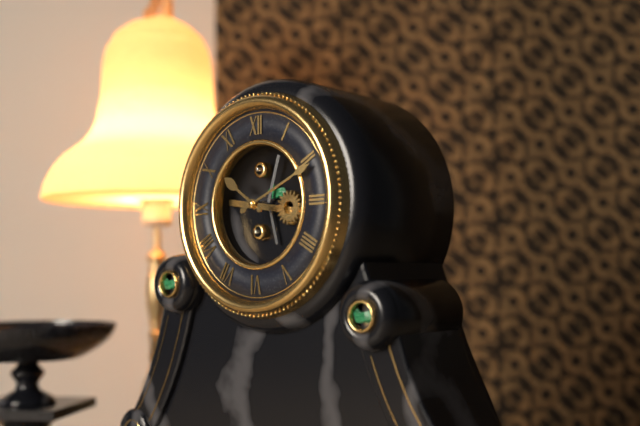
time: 10:11
